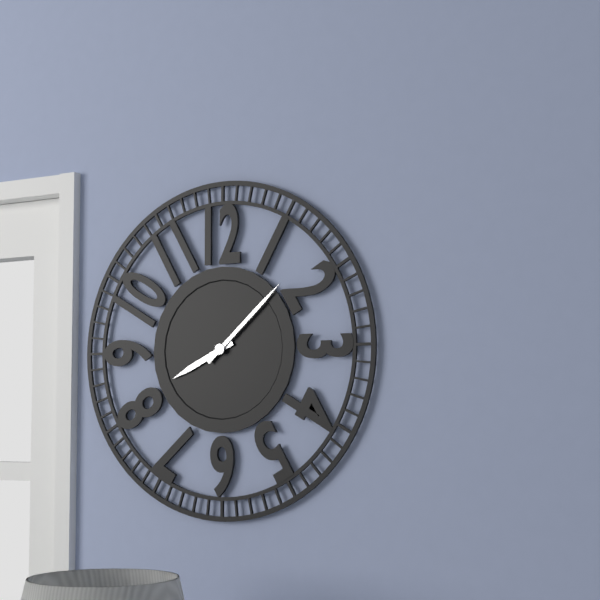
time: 8:08
